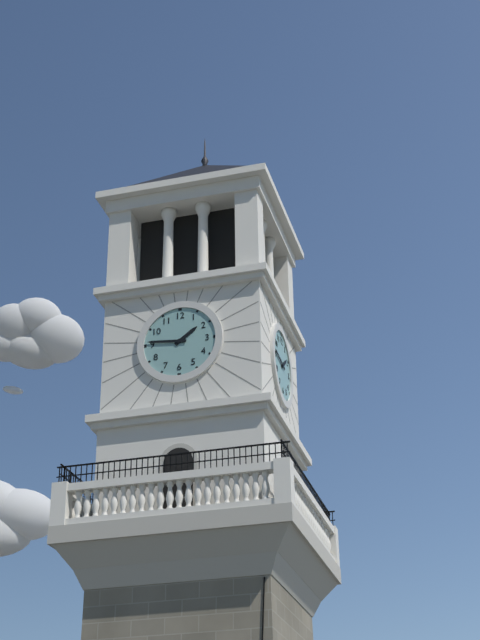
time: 1:46
